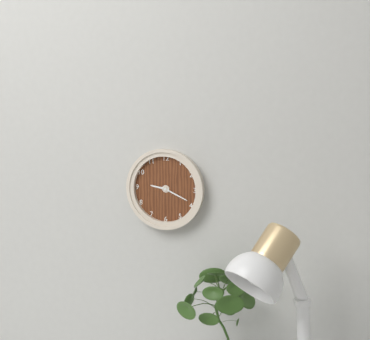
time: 9:19
